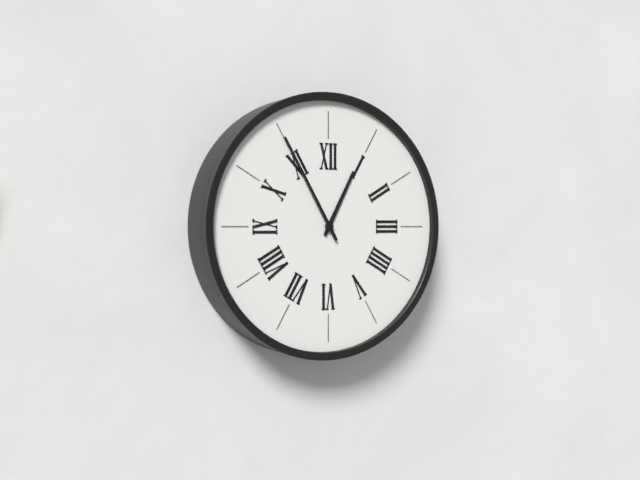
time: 12:55
